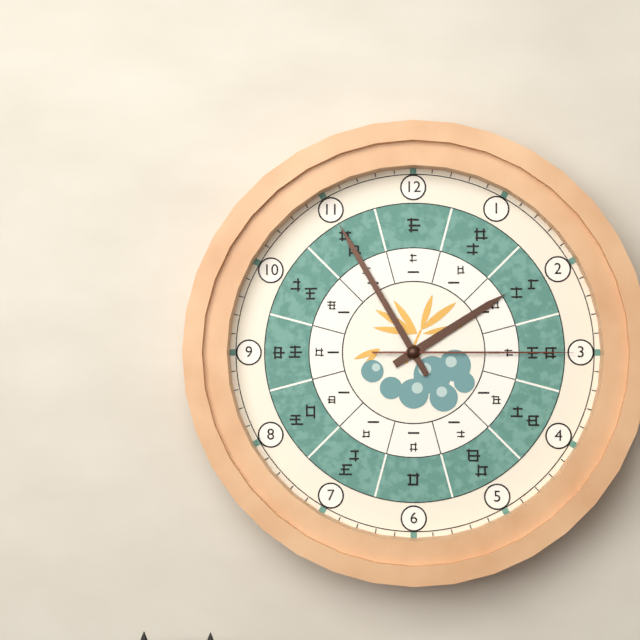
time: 1:55:15
